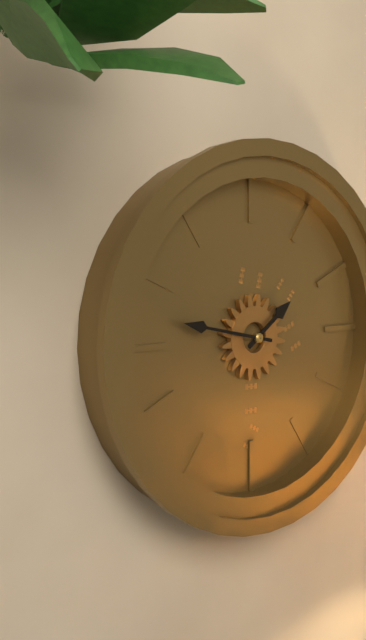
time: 1:47
